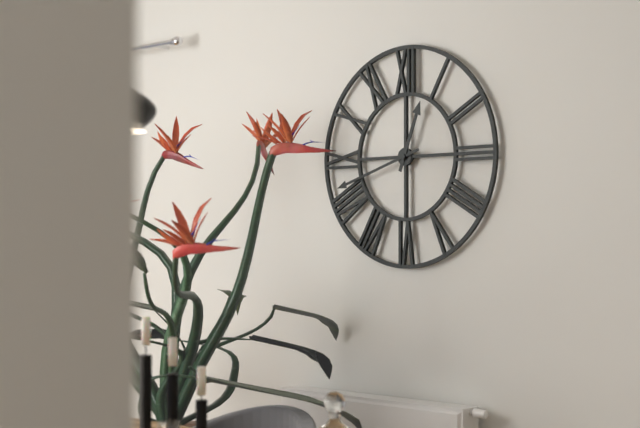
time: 12:42
